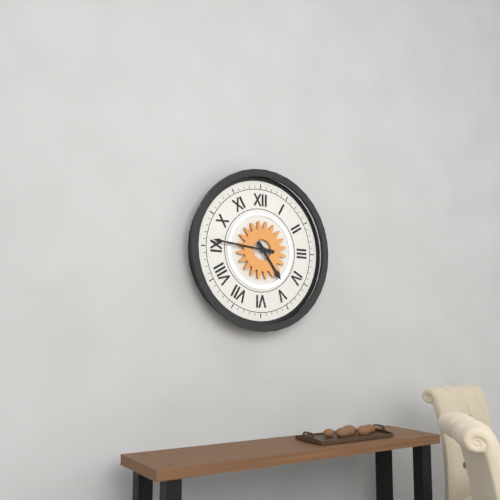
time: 4:46
